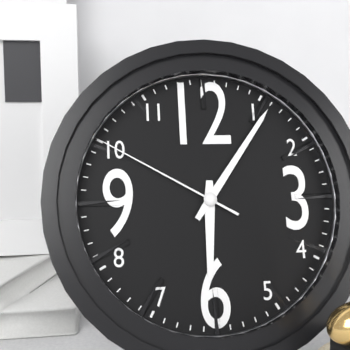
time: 6:06:50
